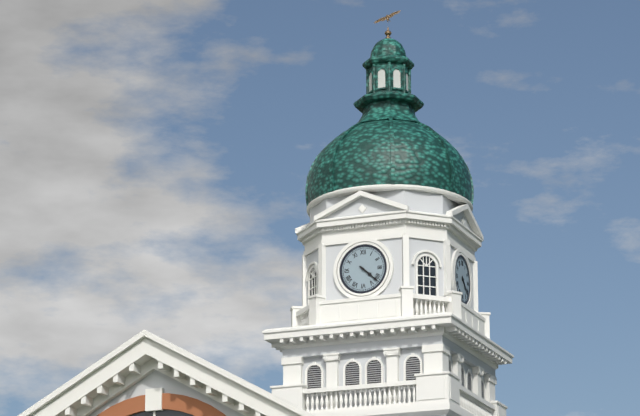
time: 4:22
